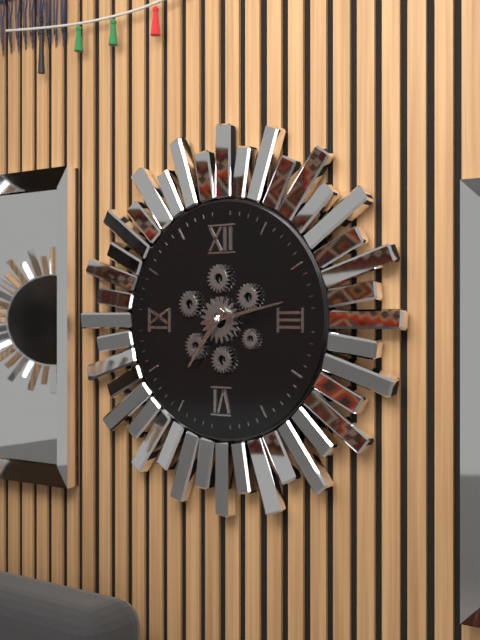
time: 7:13
